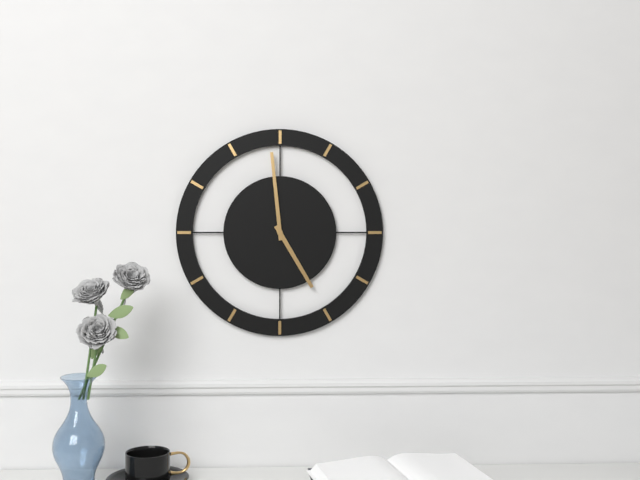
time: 4:59
